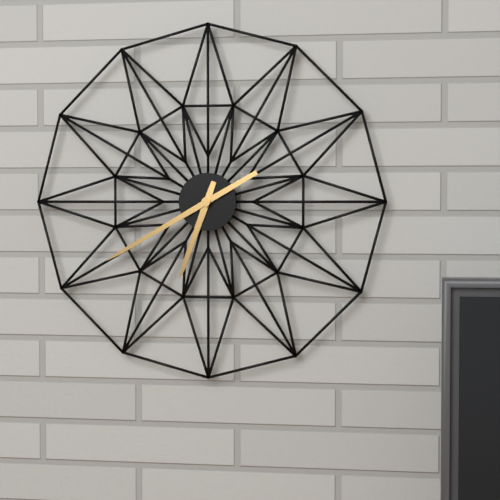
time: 6:40
